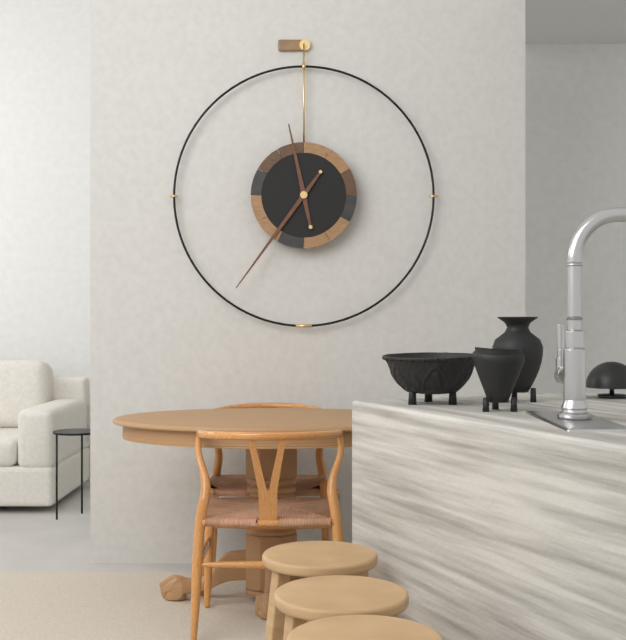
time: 11:36
